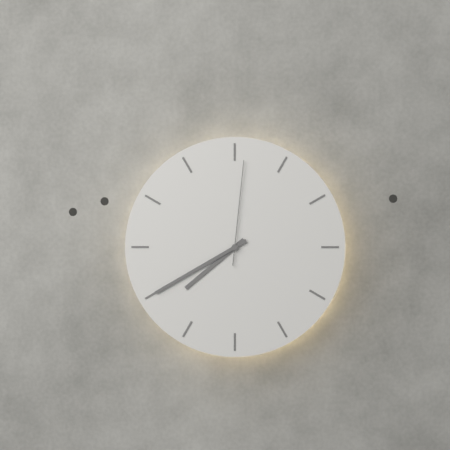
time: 7:40:01
